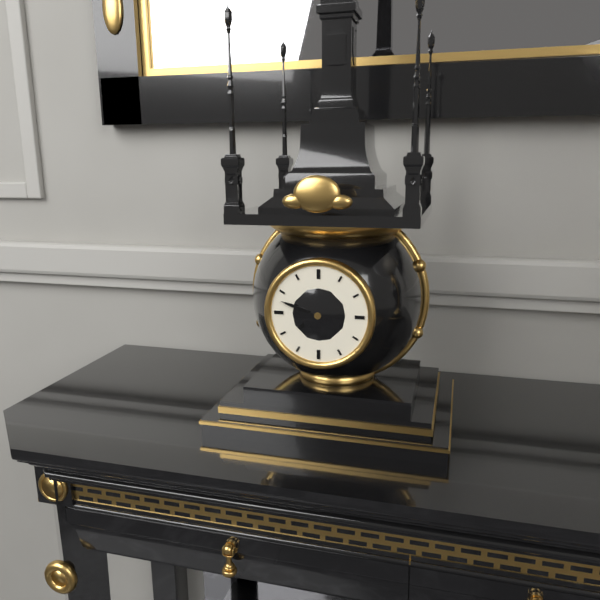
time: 7:48
